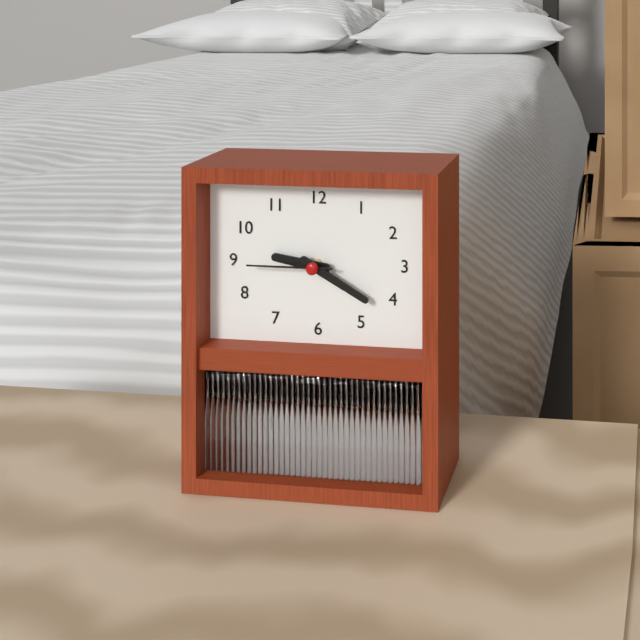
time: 9:20:45
